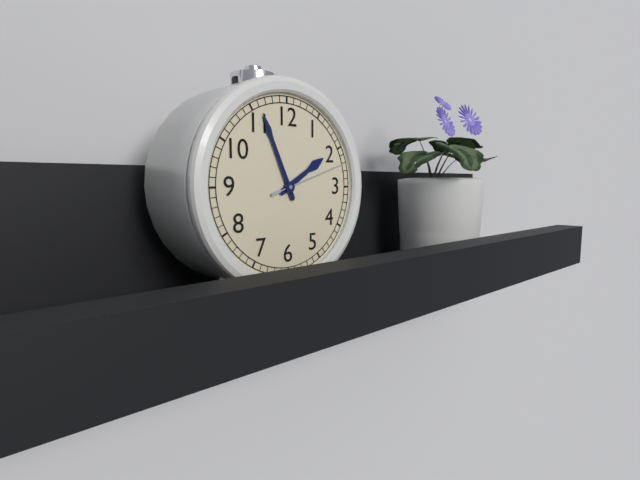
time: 1:56:12
